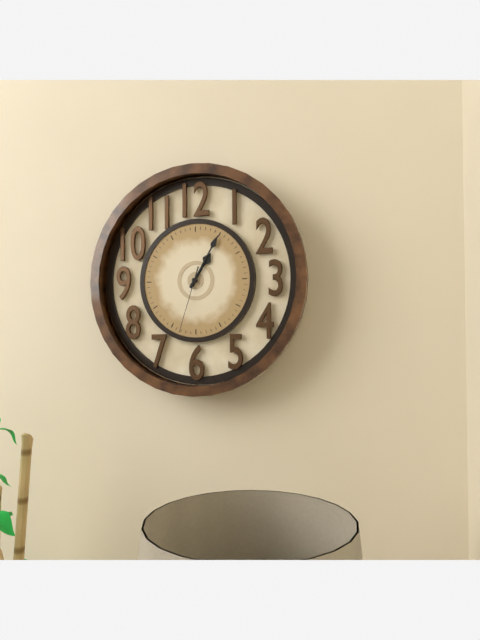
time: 1:05:33
